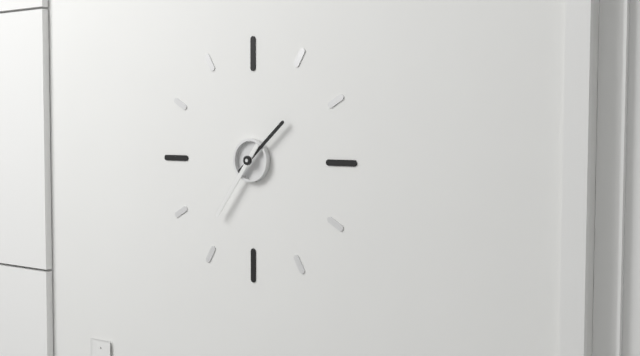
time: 1:36
